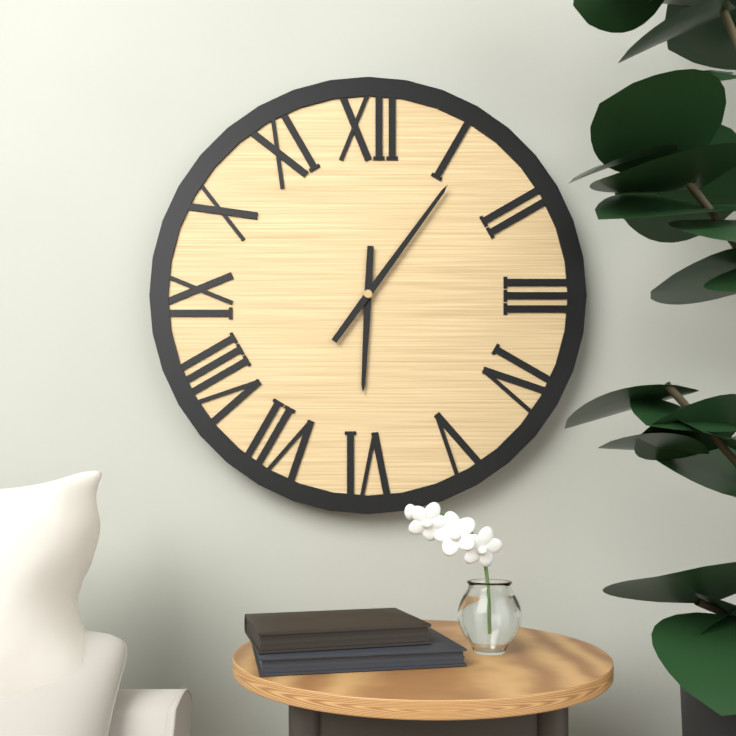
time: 6:06
